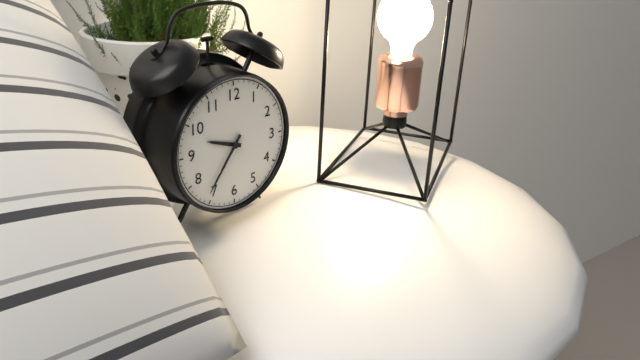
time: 9:36
